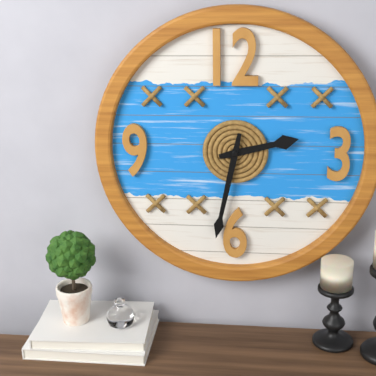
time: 2:32
